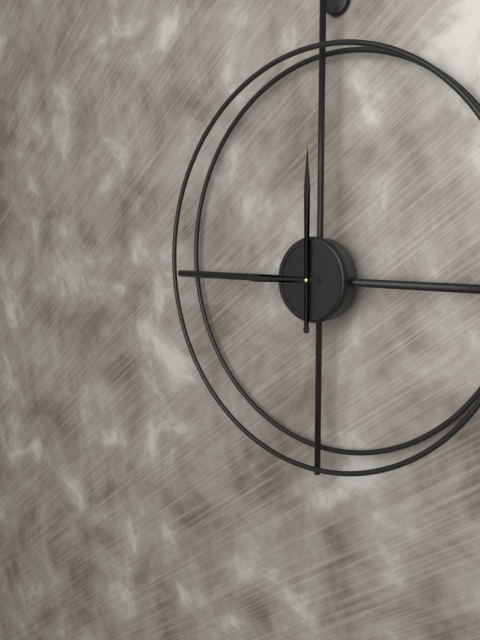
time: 9:00
